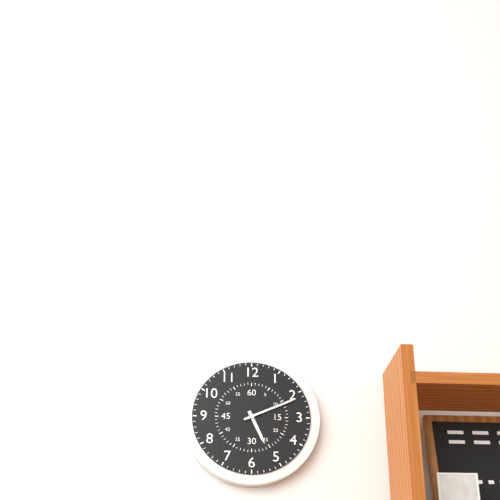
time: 5:11
